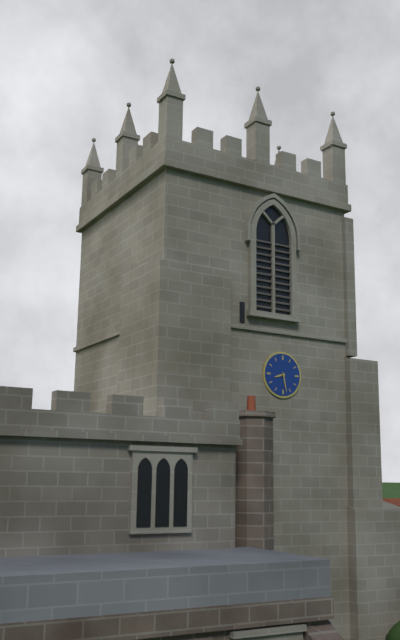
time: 8:28
